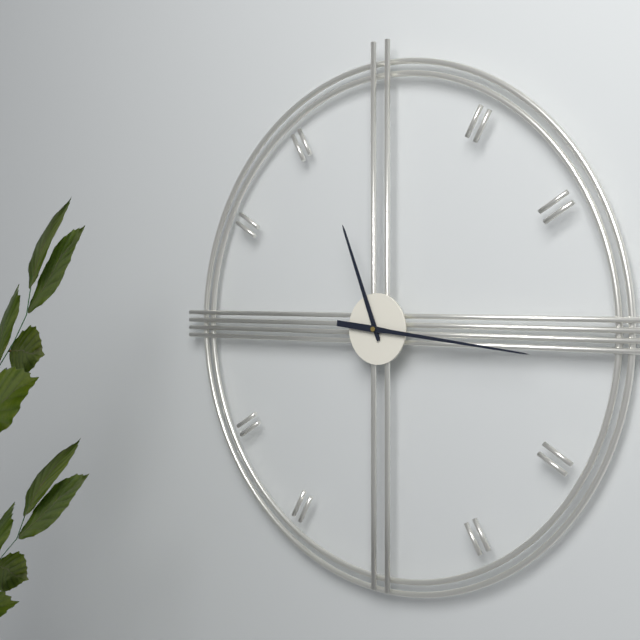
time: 11:16
